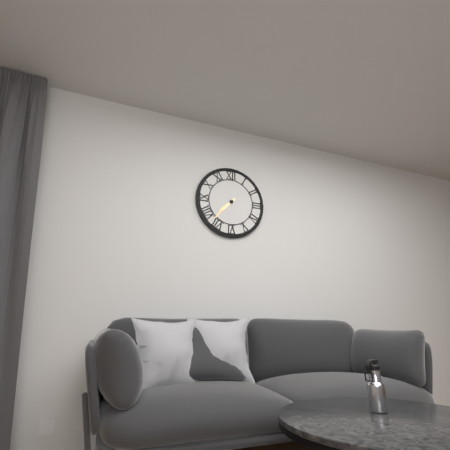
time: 7:37
